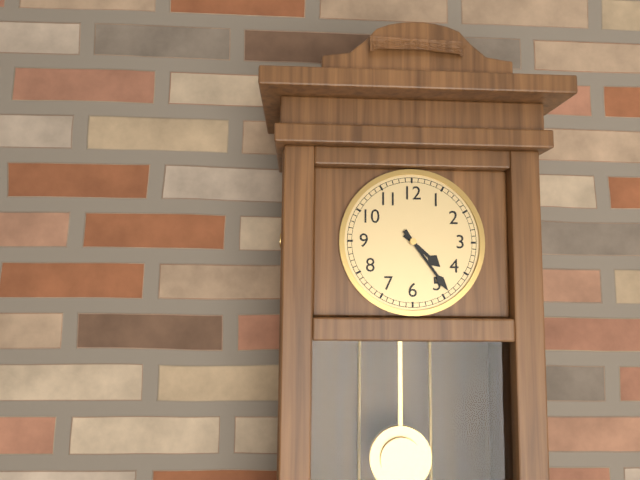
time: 4:24
